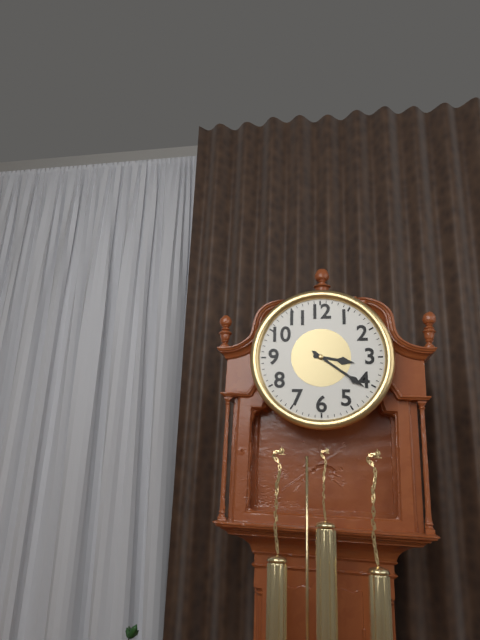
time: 3:21
